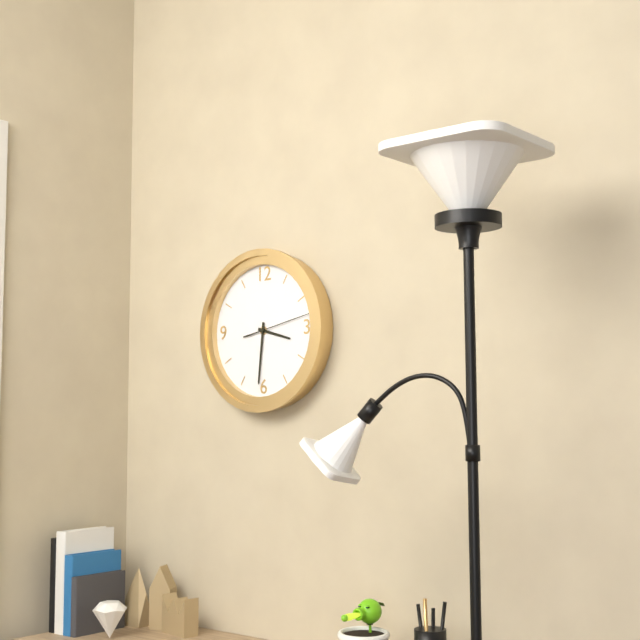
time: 3:31:13
